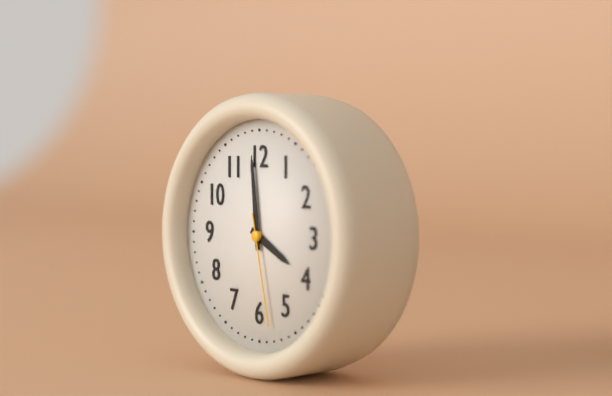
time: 3:59:28
